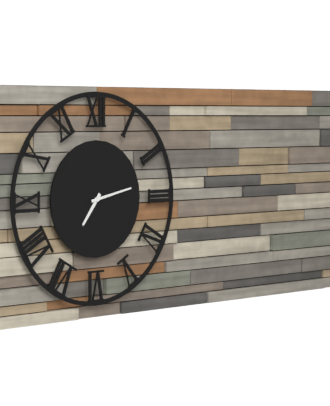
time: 7:13
